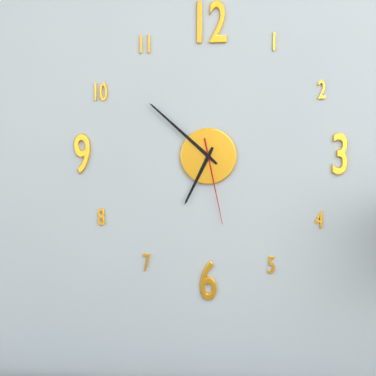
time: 6:52:28
